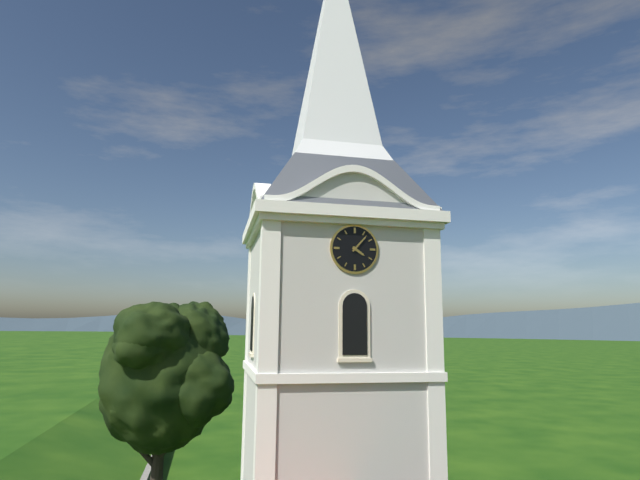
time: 4:07
